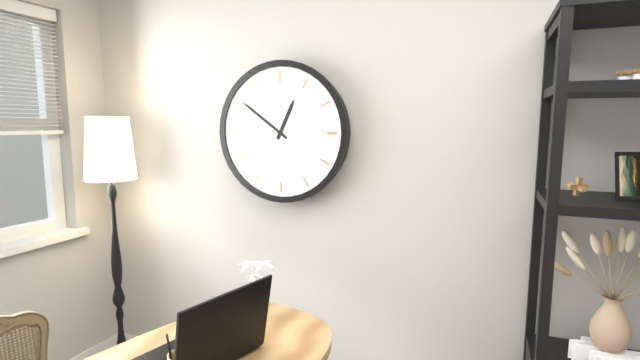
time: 12:51
